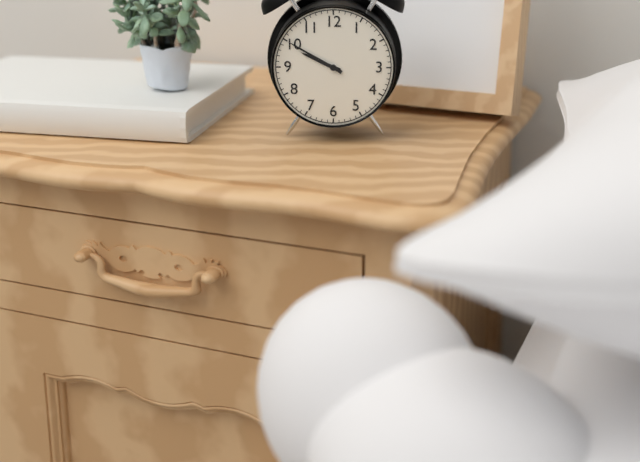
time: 9:50
